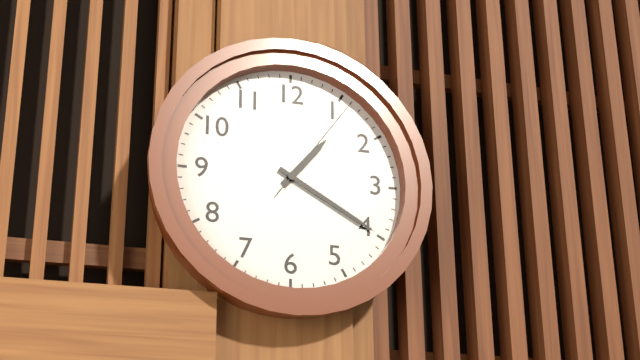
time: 1:20:06
